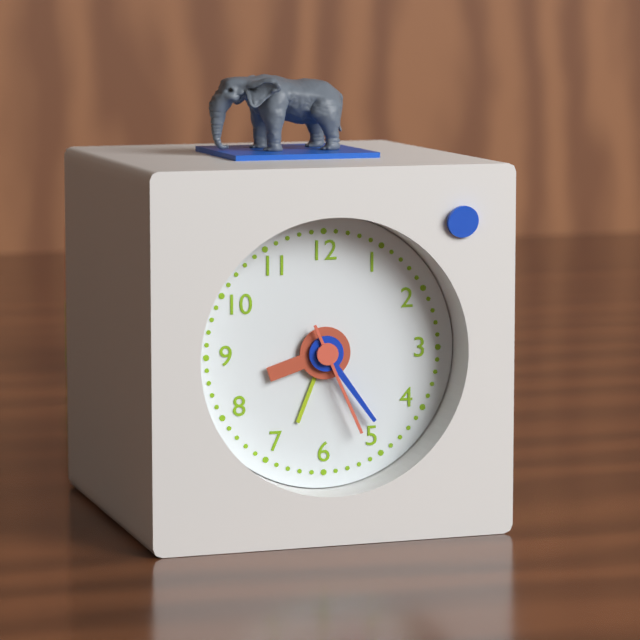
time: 8:24:26
